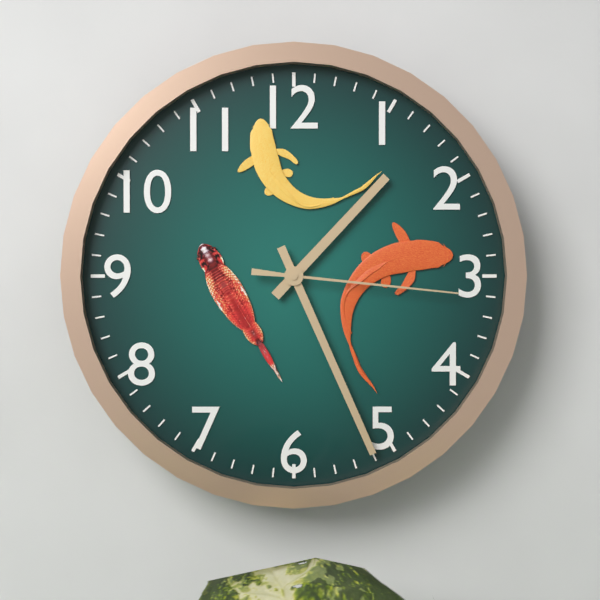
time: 1:26:16
